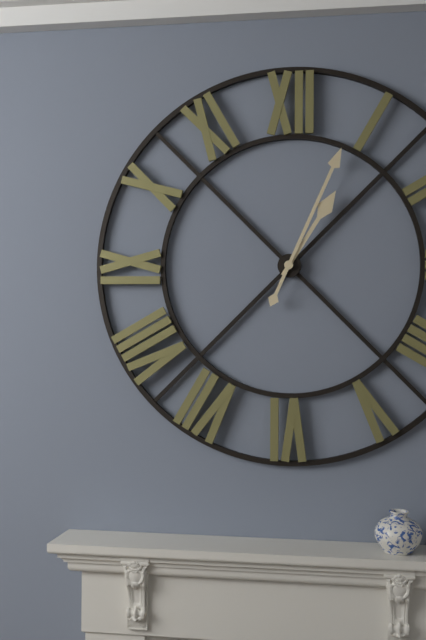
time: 1:04
